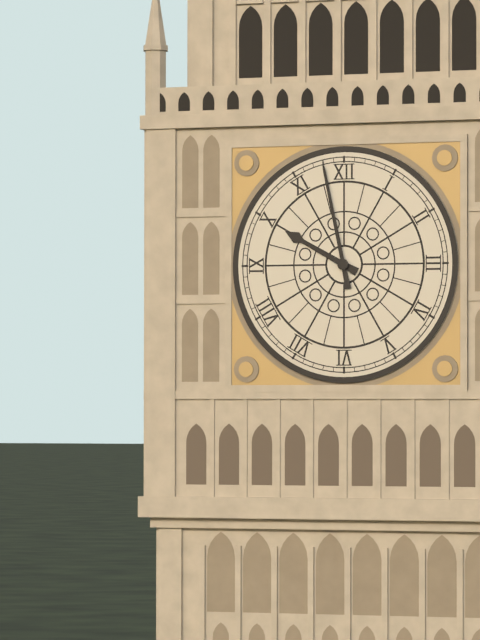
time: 9:58
